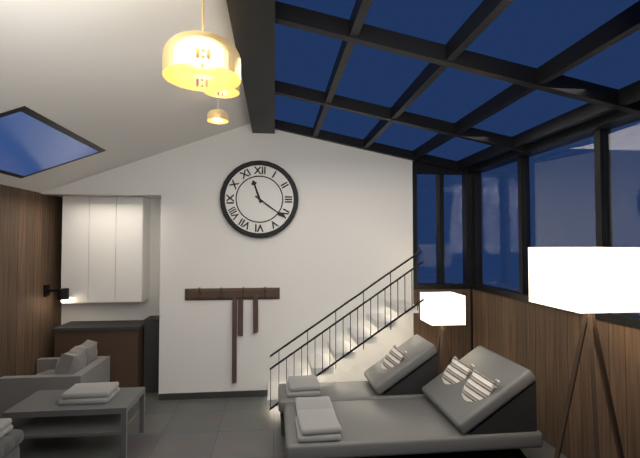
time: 11:21
